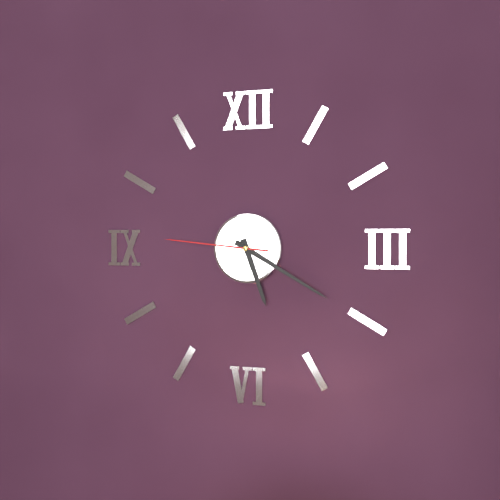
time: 5:20:46
